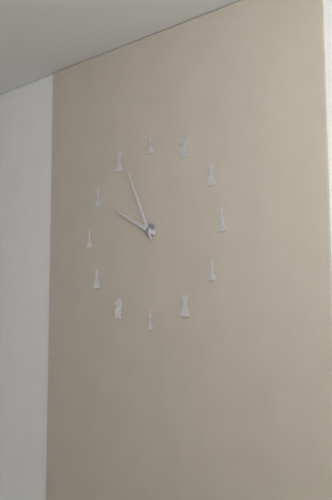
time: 9:56
